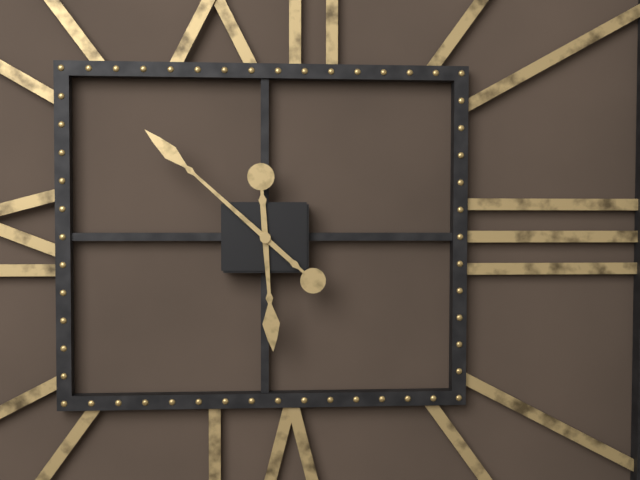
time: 5:52
